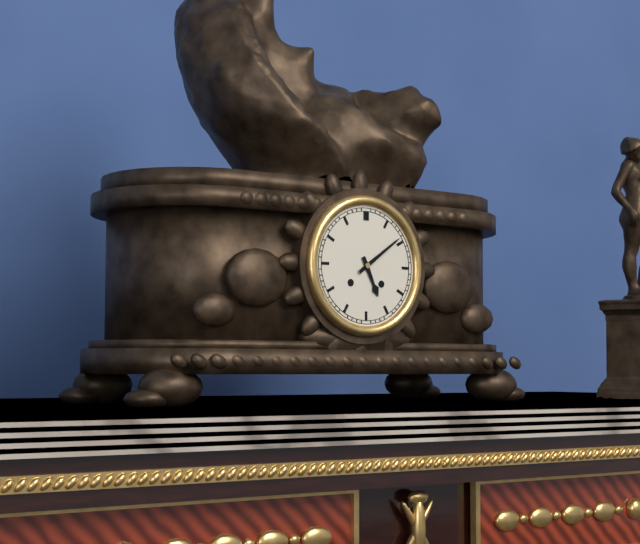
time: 5:09
